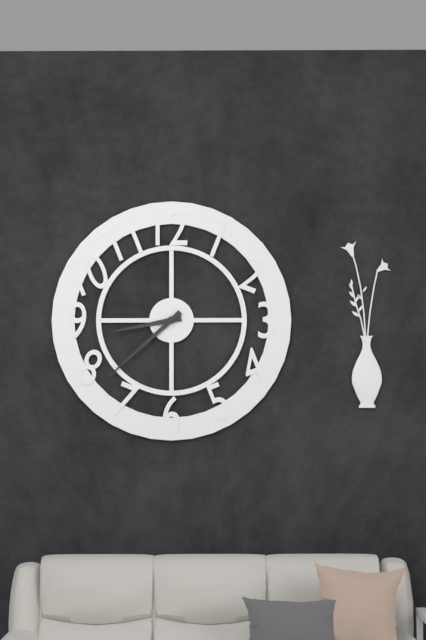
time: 8:38
